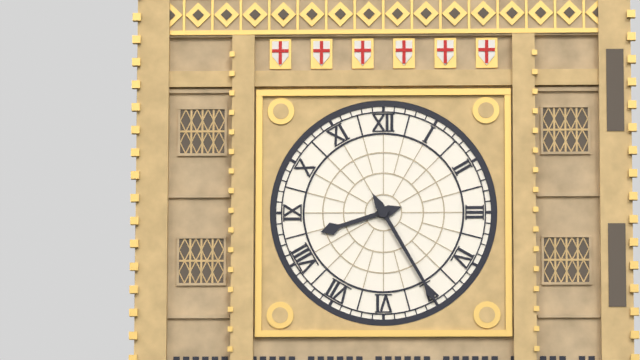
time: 8:25
